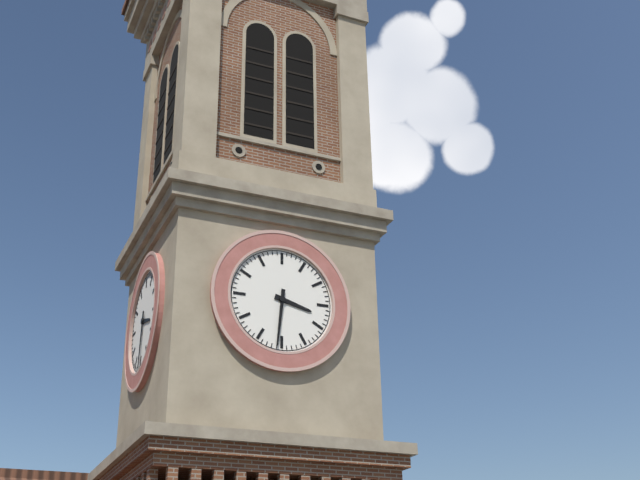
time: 3:31
